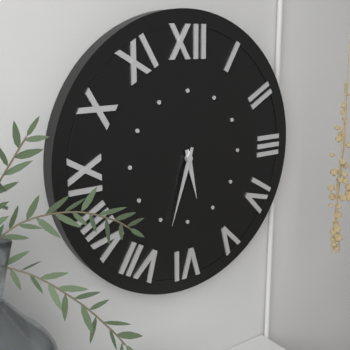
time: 5:33
